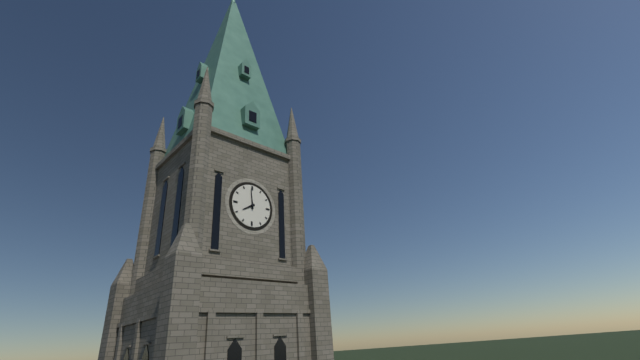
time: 7:59
